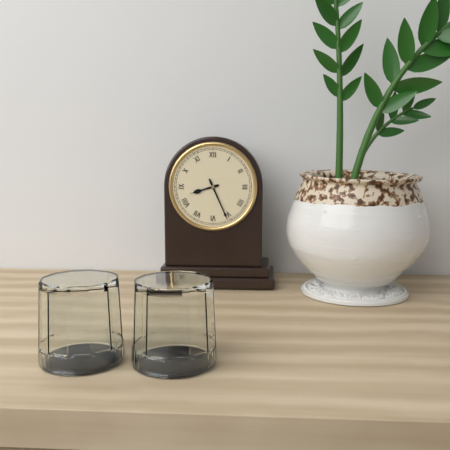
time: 8:26
